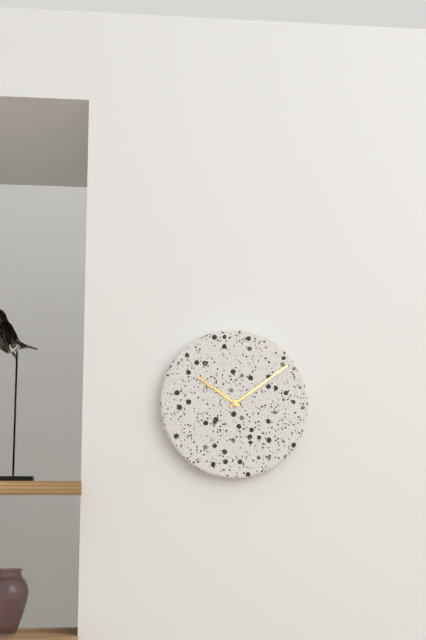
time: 10:09
